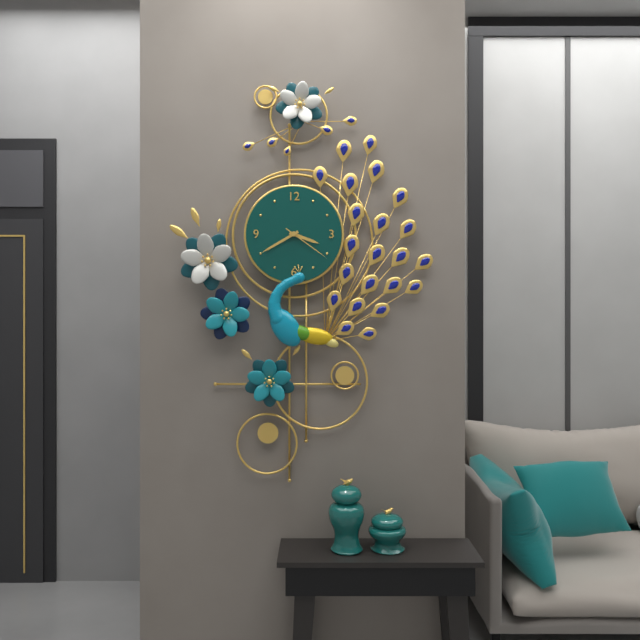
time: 3:40:21
